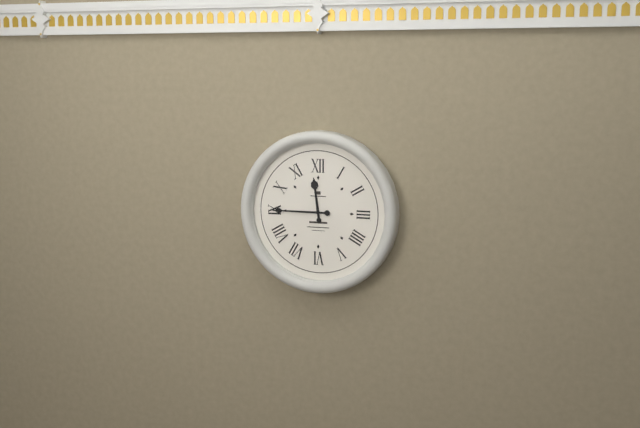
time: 11:45
